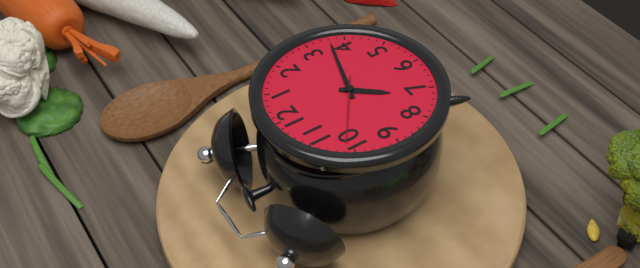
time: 7:18:51
